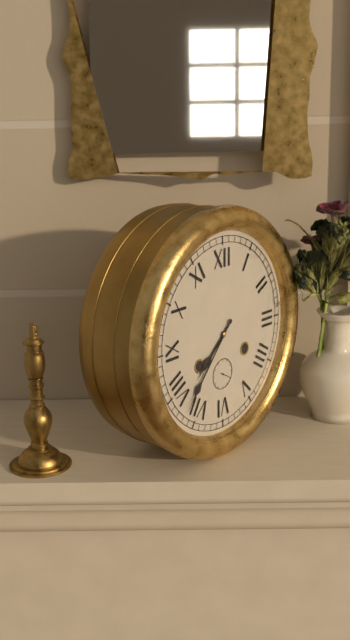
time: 7:37
